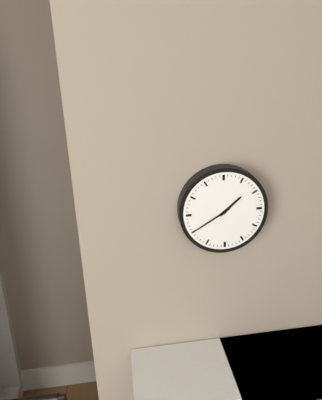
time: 1:40
